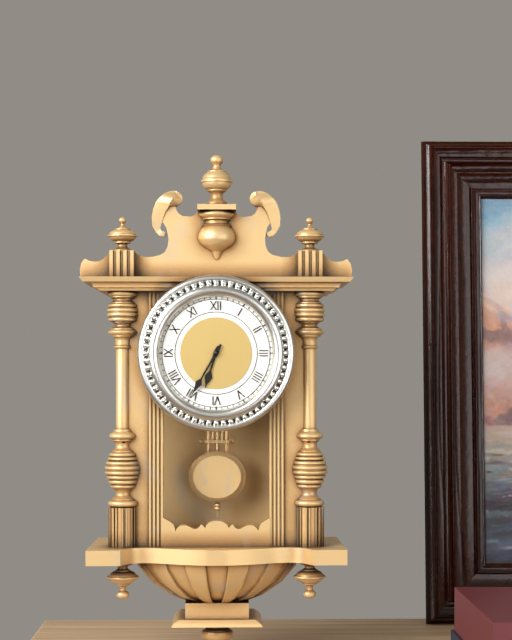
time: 6:35
